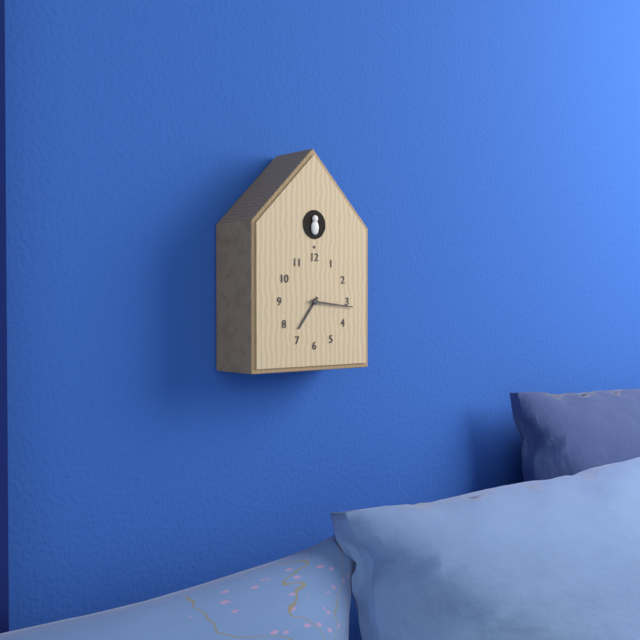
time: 7:16
